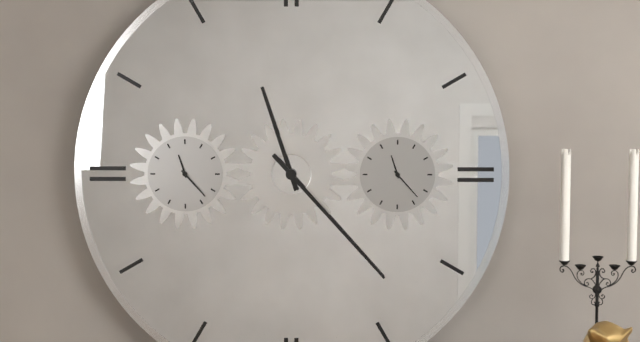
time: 11:23
